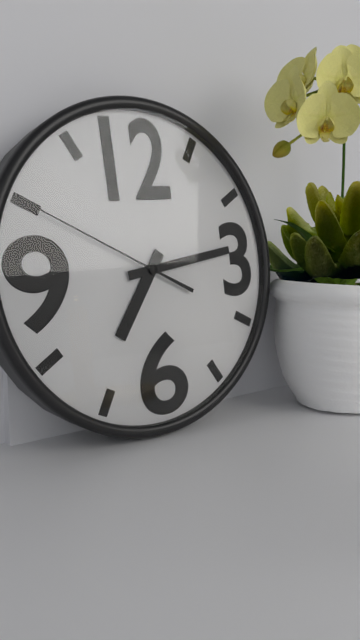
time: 7:14:50
